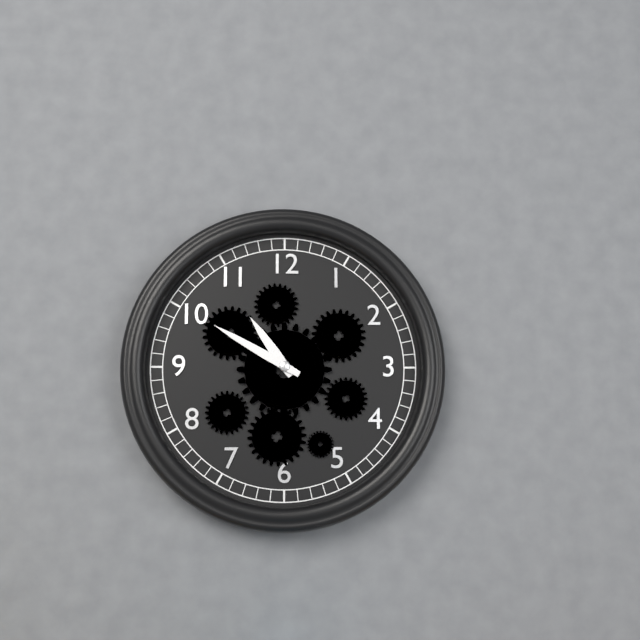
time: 10:50
